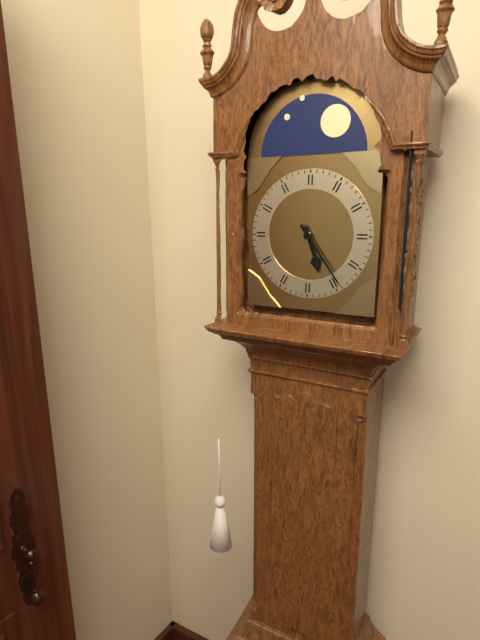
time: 5:24
